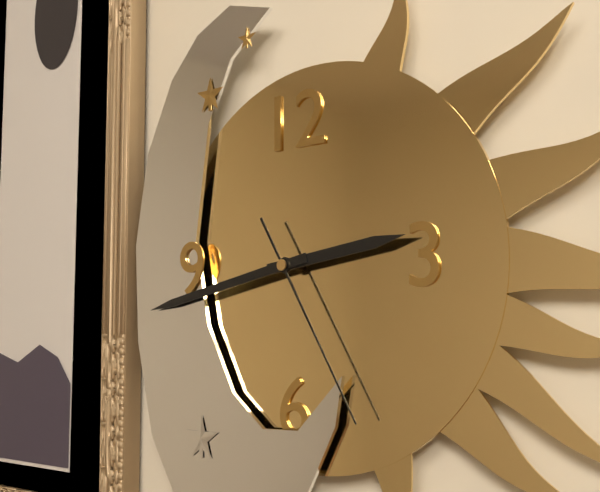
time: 2:43:25
